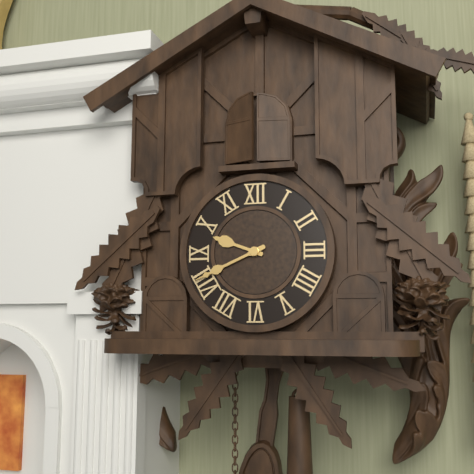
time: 9:41
